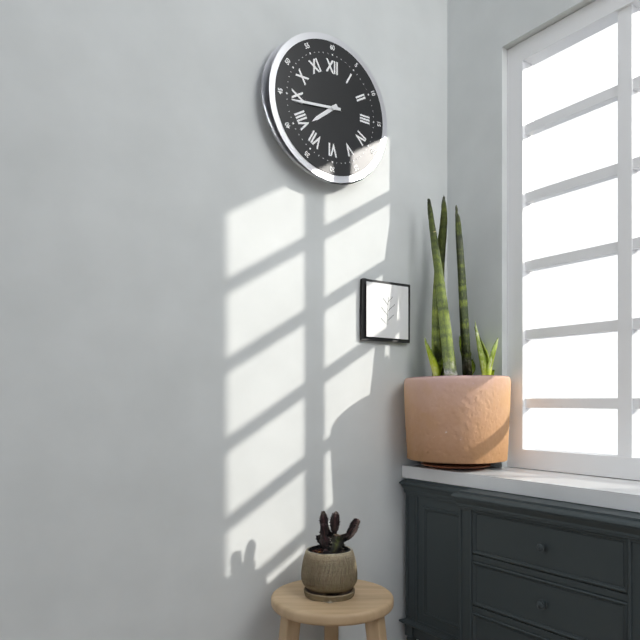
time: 7:44
